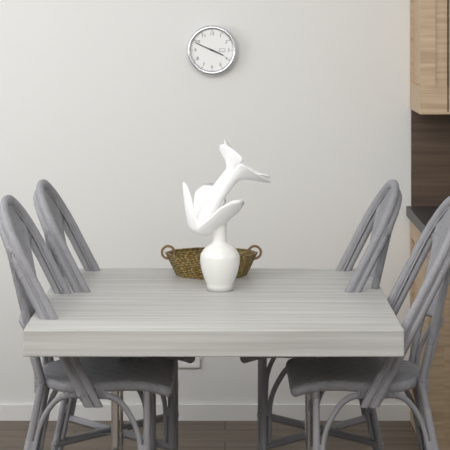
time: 3:49
